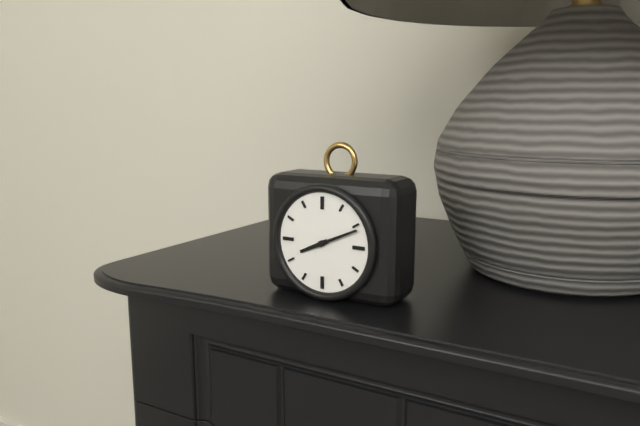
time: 8:11
